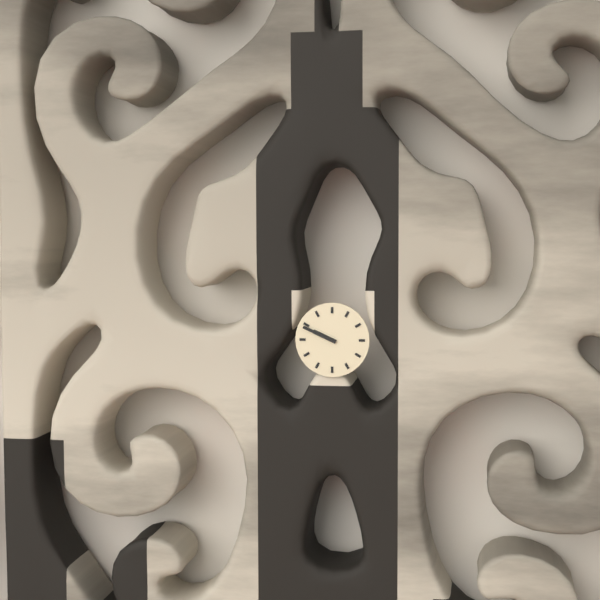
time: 9:49
